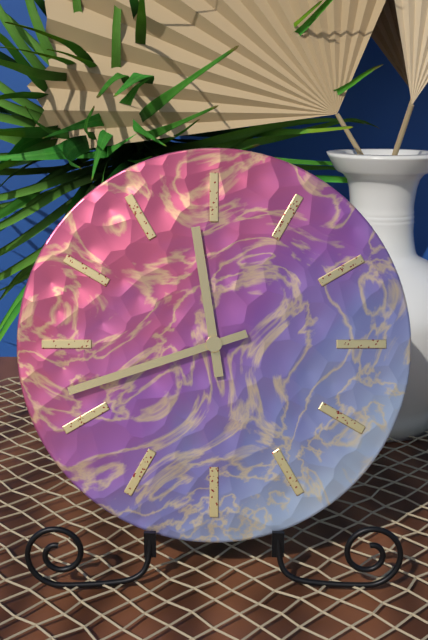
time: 11:42
